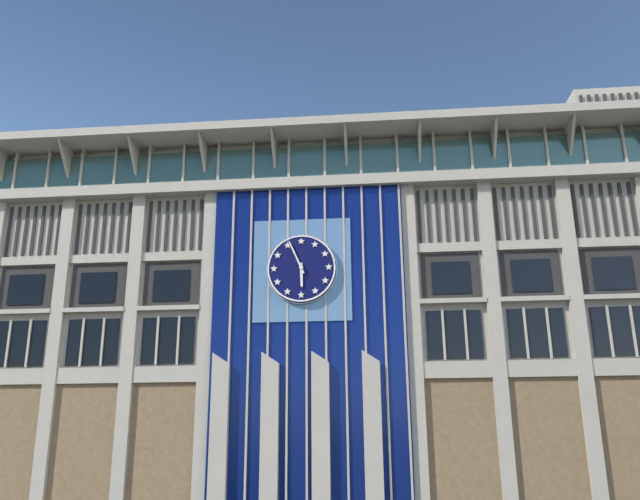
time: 5:56
